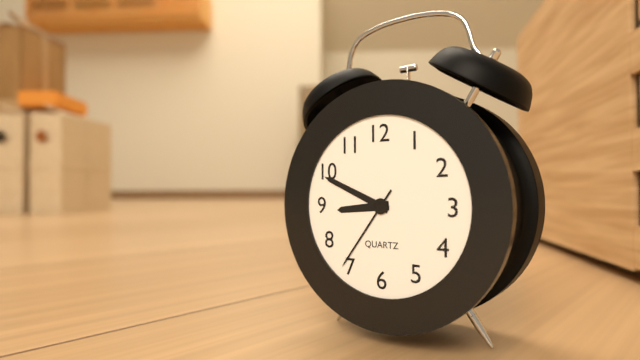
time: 8:49:36
